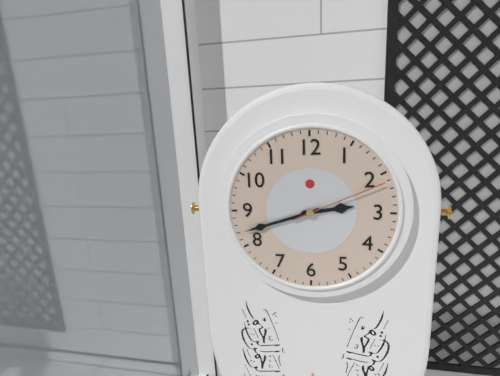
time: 2:42:11
